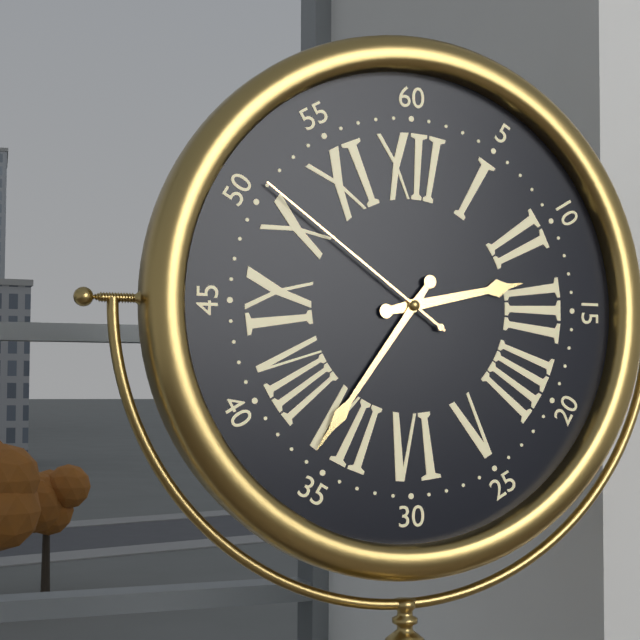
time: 2:36:51
